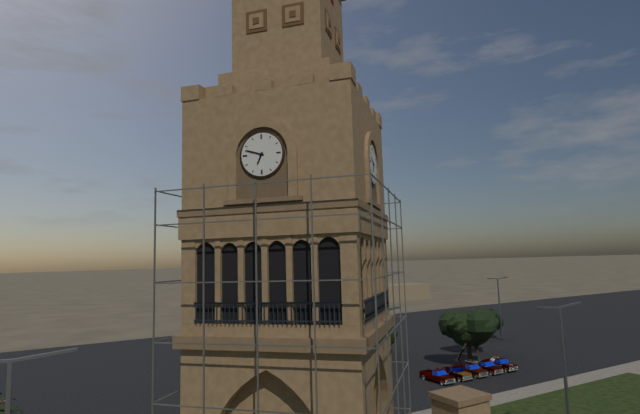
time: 6:48
